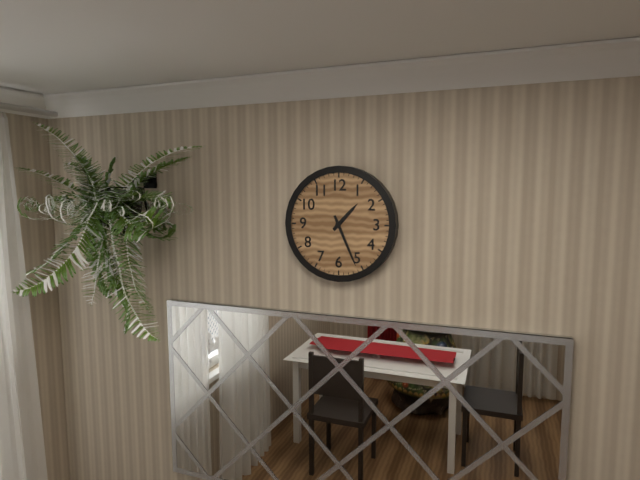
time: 1:26
